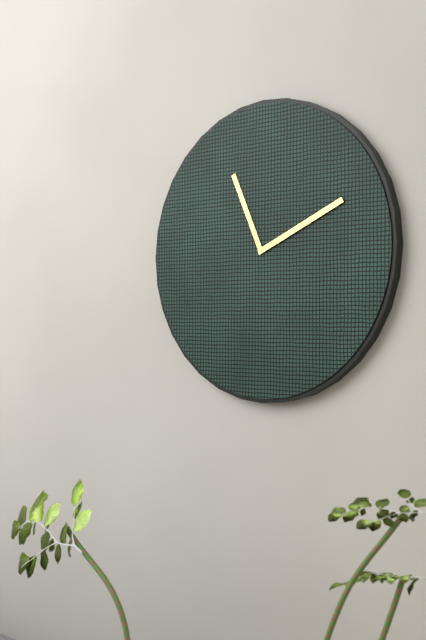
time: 11:11
